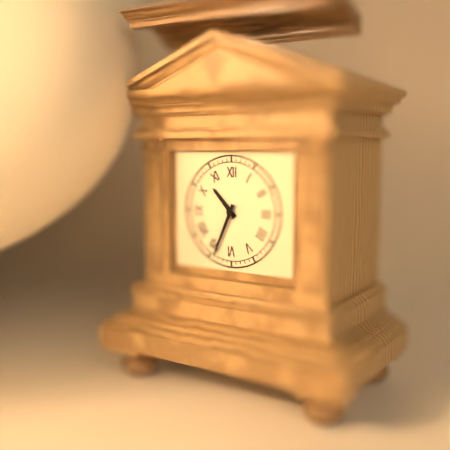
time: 10:34
